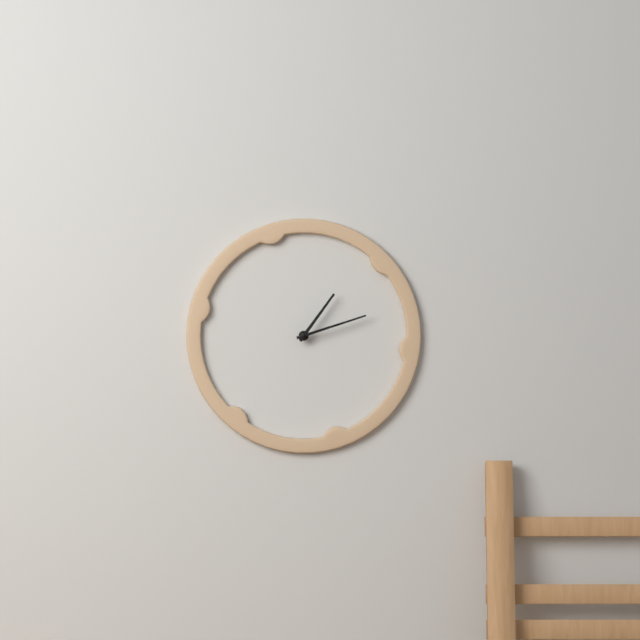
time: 1:12
